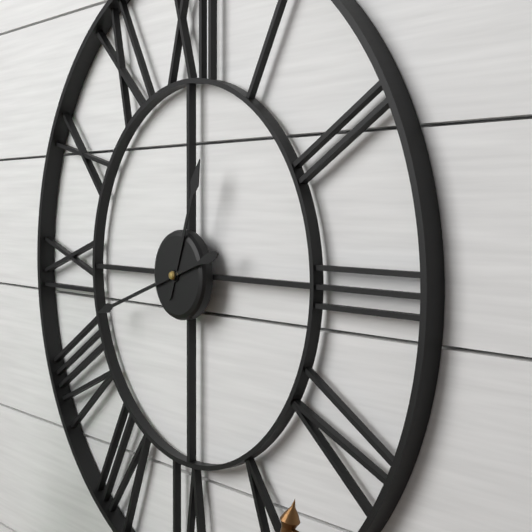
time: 12:42
